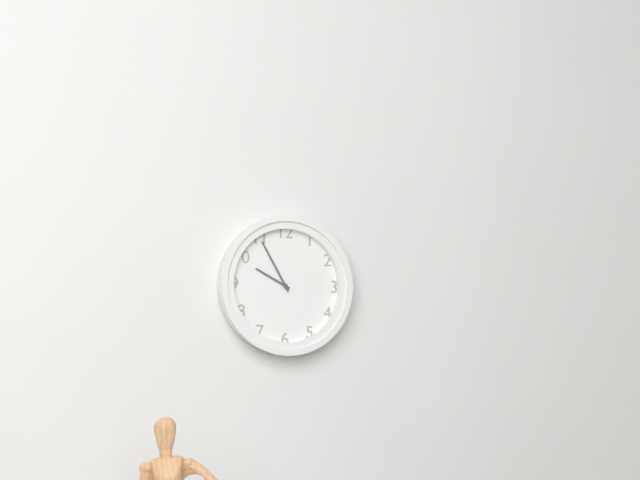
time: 9:55
